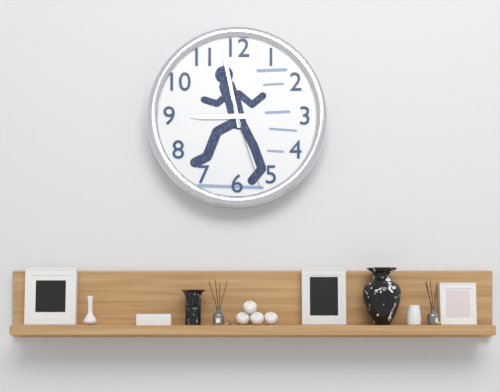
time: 8:58:27
